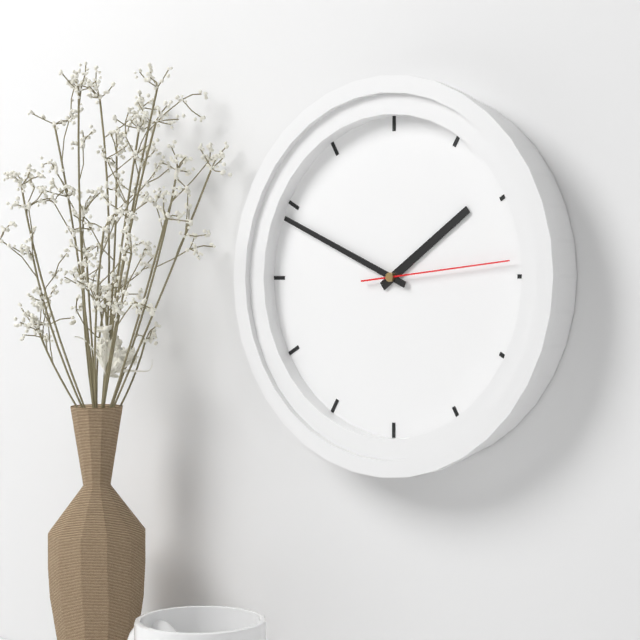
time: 1:49:14
